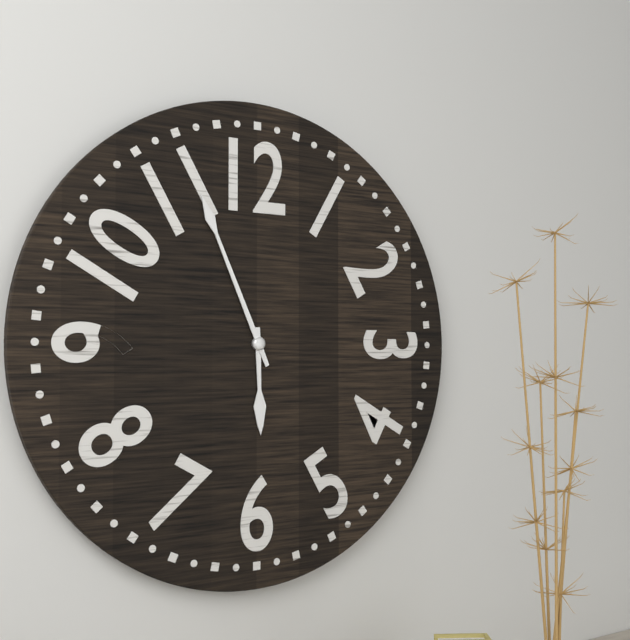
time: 5:56
